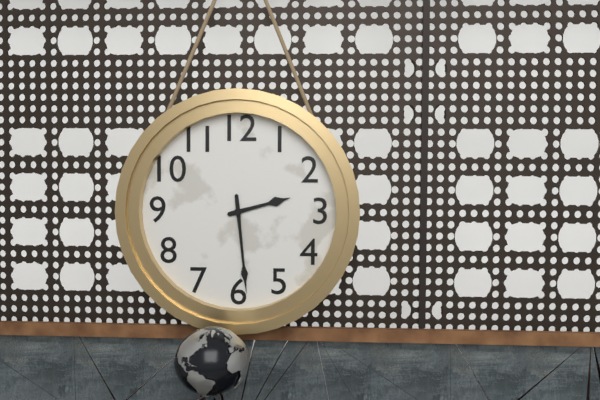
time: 2:29
